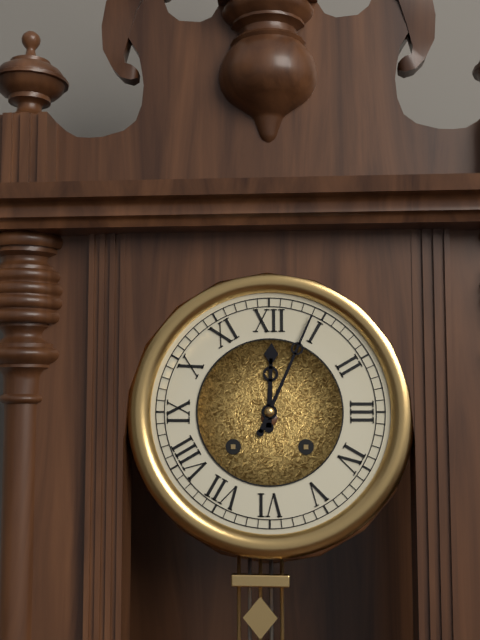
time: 12:04
